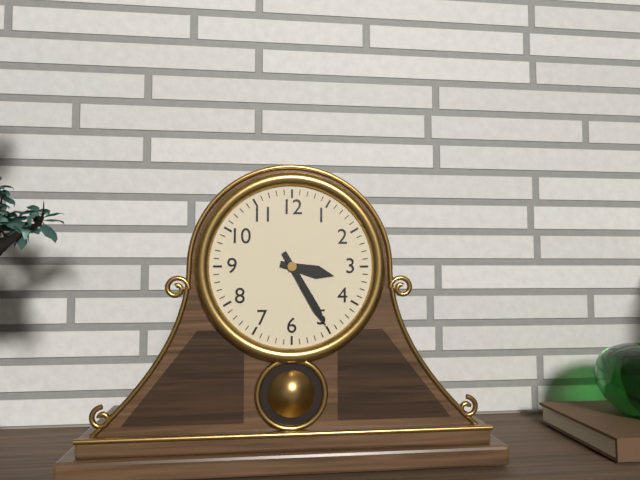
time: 3:25
